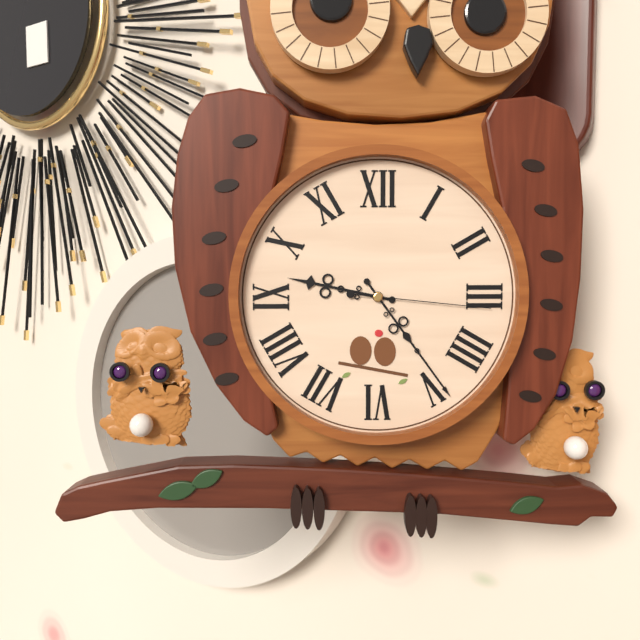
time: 9:24:16
